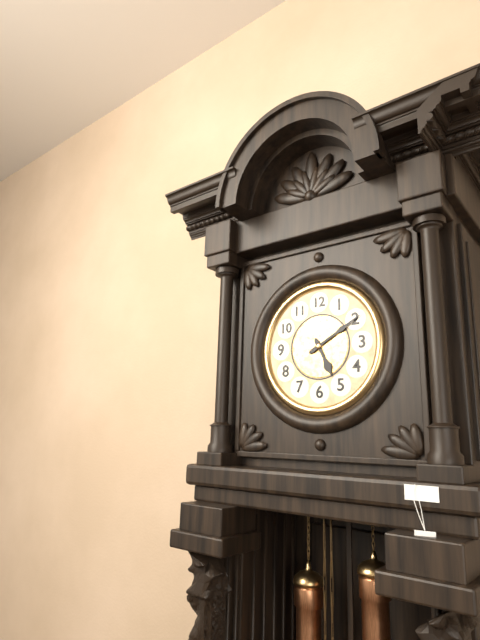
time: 5:10
